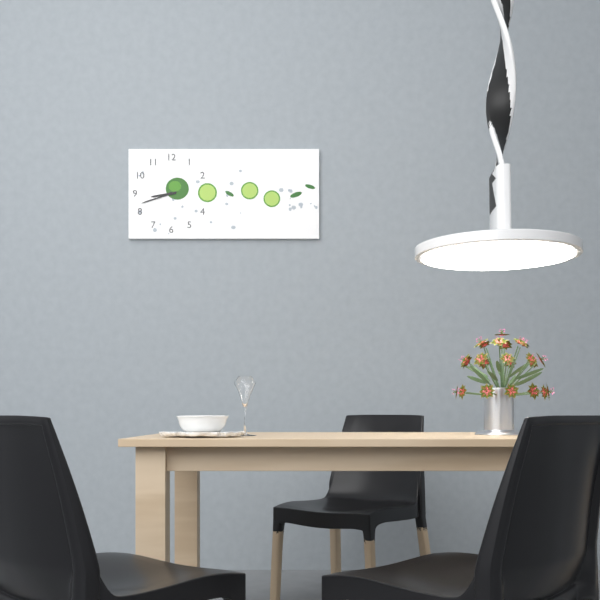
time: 8:42
